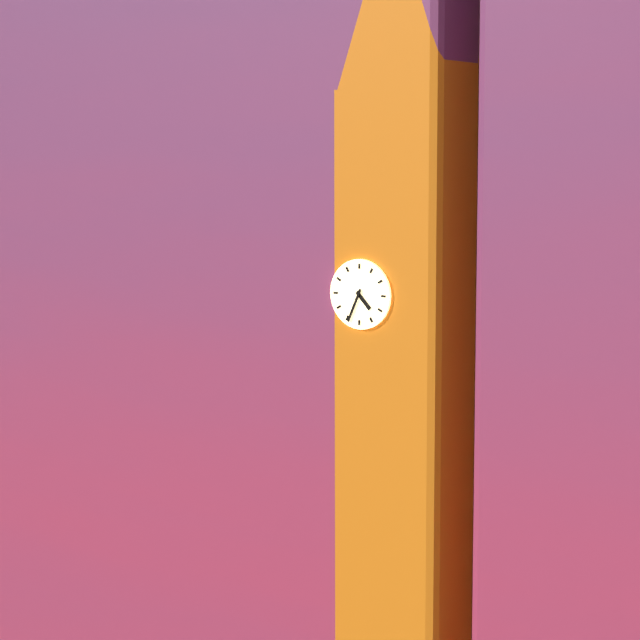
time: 4:34
